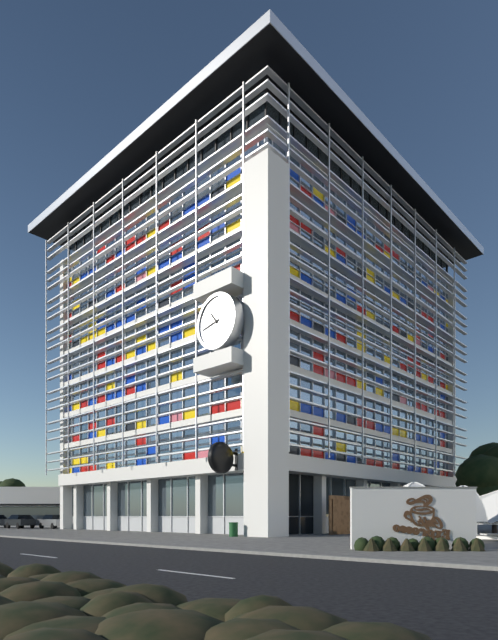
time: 10:43
